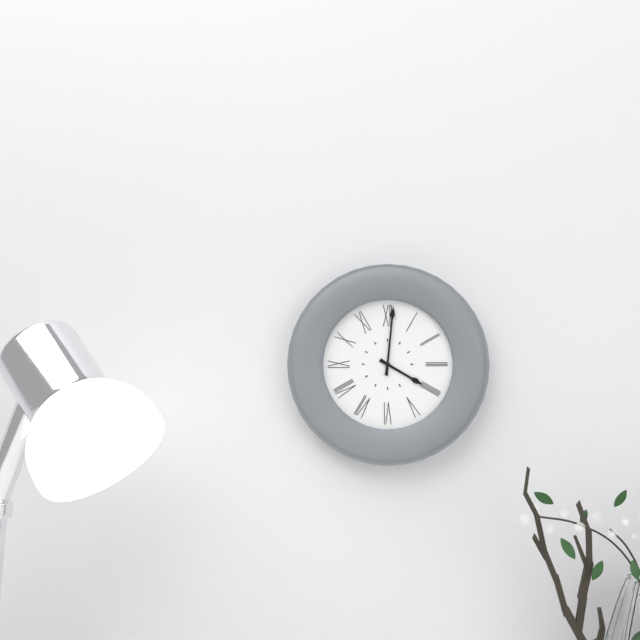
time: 4:01
